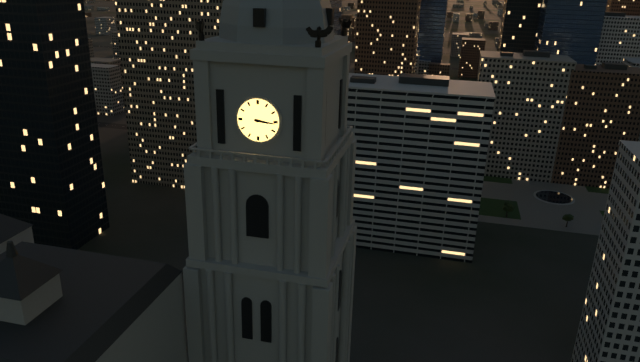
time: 3:16
